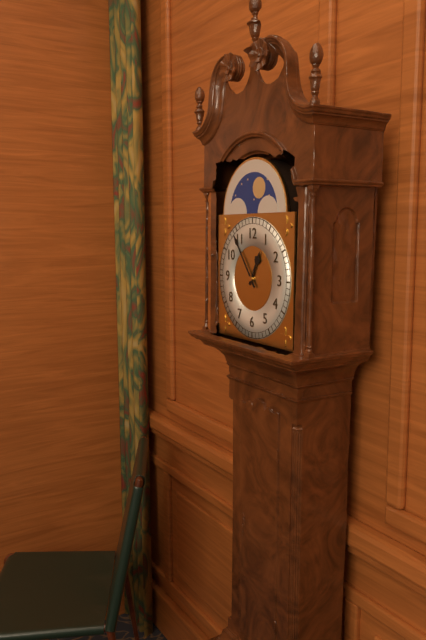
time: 12:54
